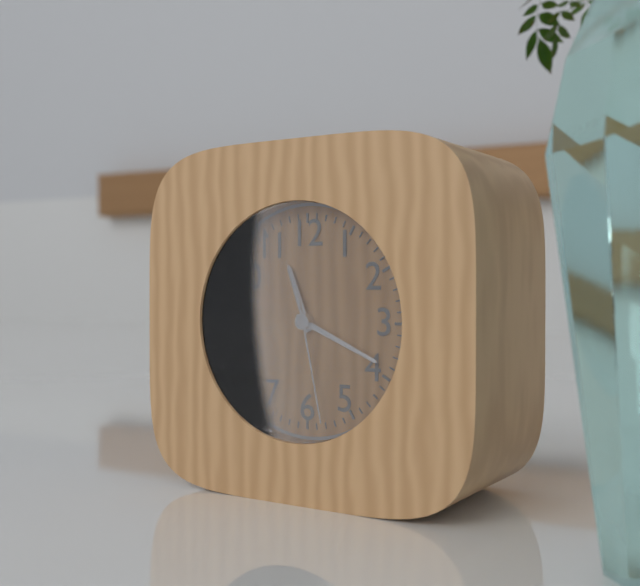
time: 11:19:28
